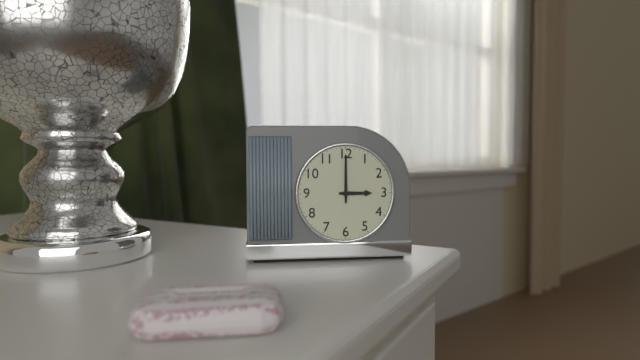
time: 3:00
